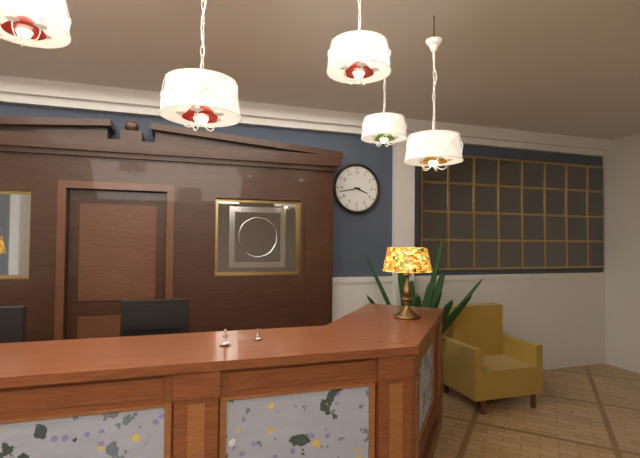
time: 3:43
